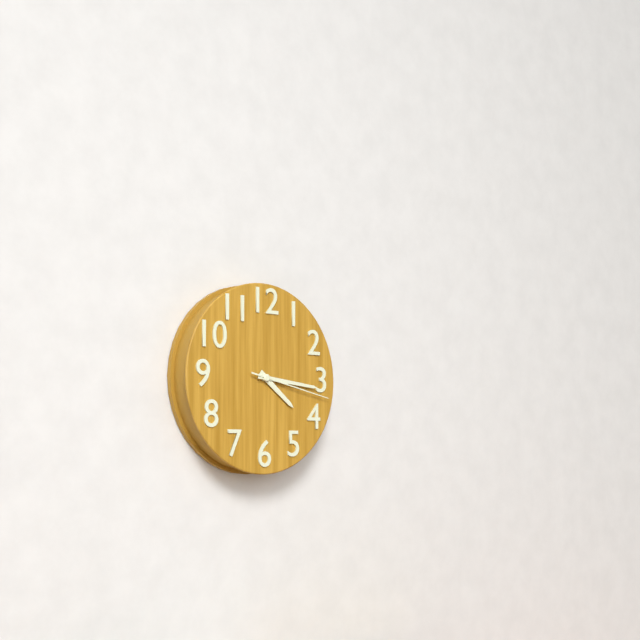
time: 4:16:17
